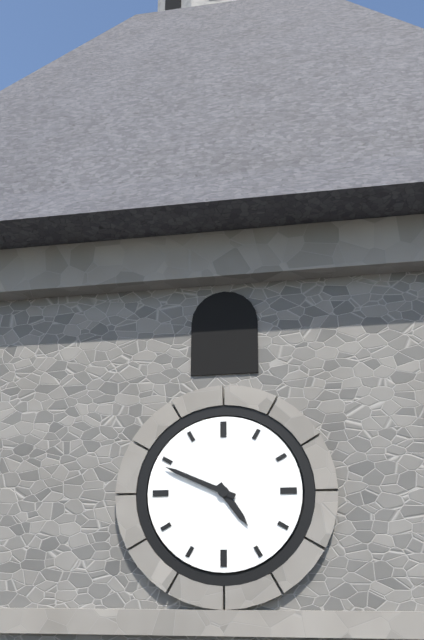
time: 4:49
